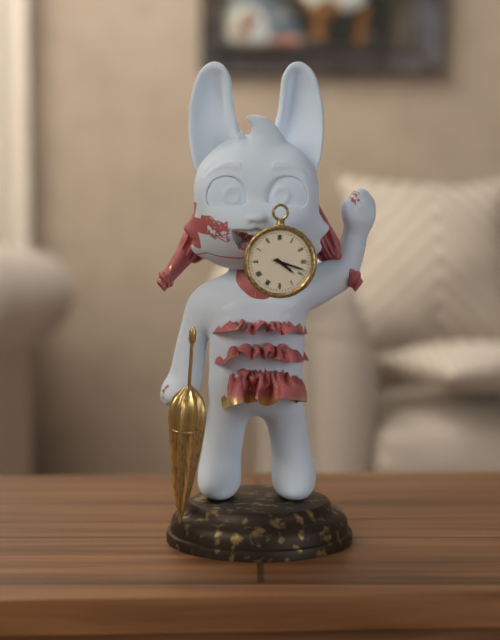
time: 4:18
